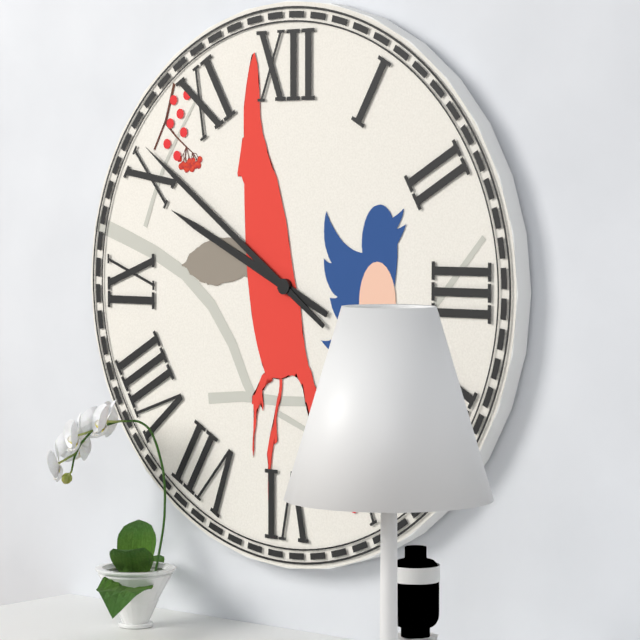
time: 9:51
